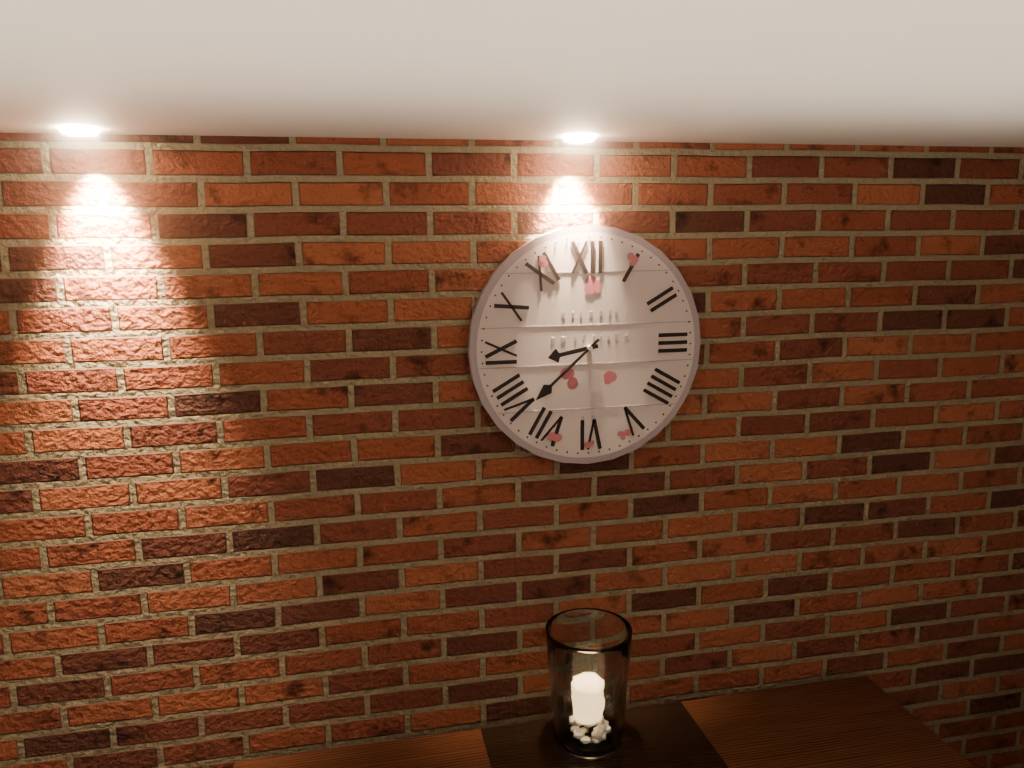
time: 8:38
